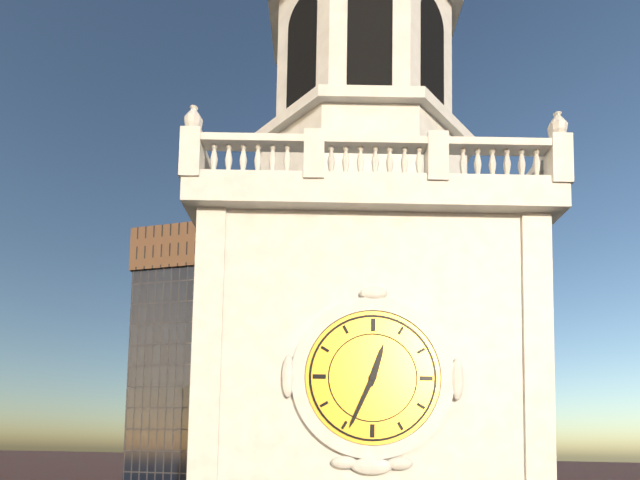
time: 12:34
